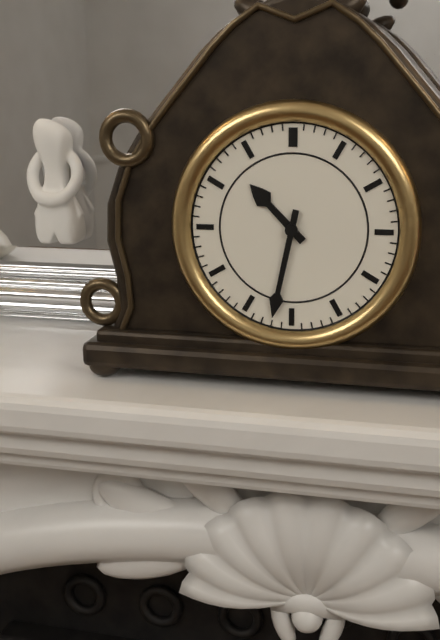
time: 10:32
